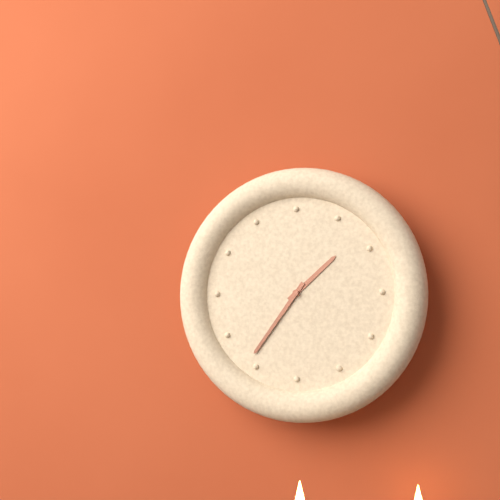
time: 1:36
